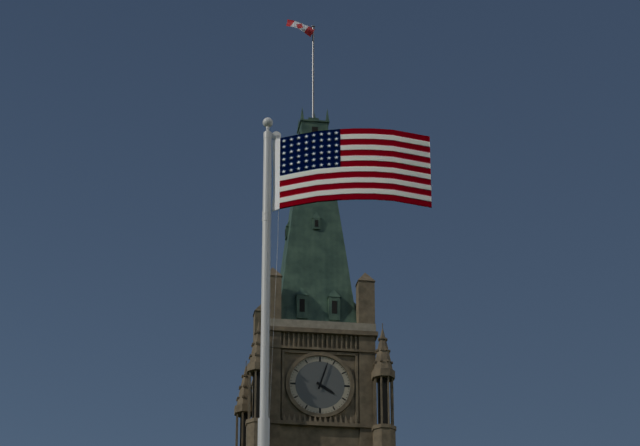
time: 4:03
